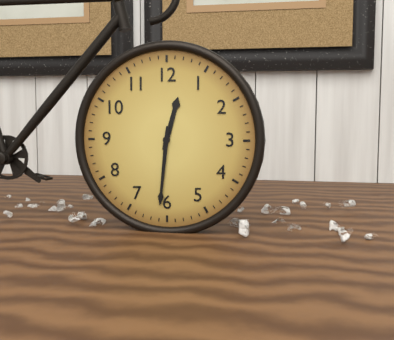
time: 12:31
